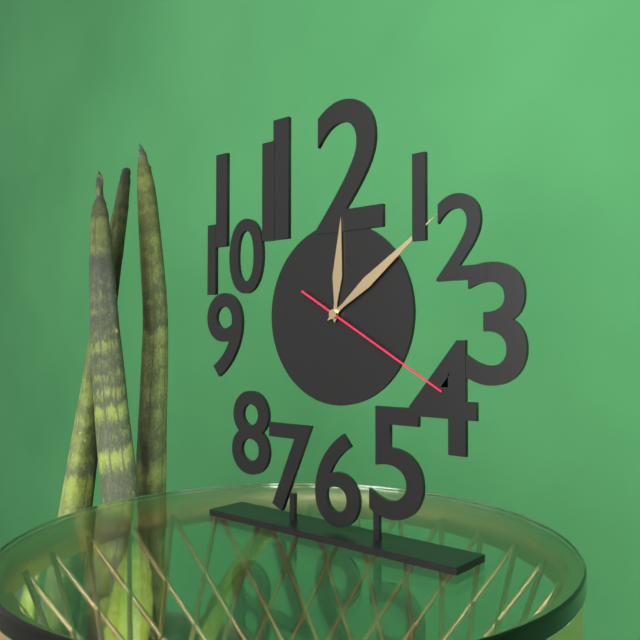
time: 12:09:20
